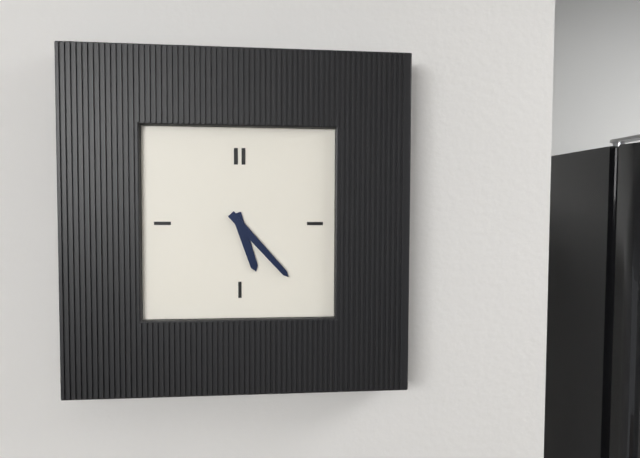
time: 5:23
